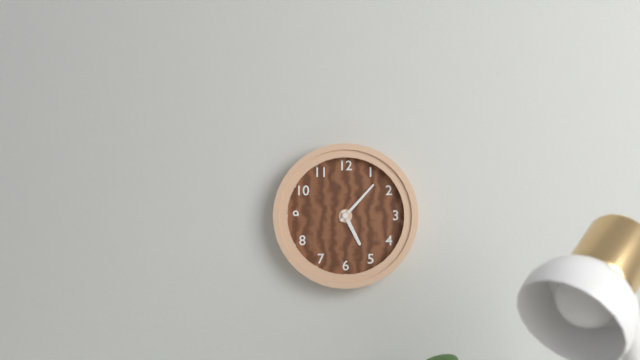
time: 5:07
